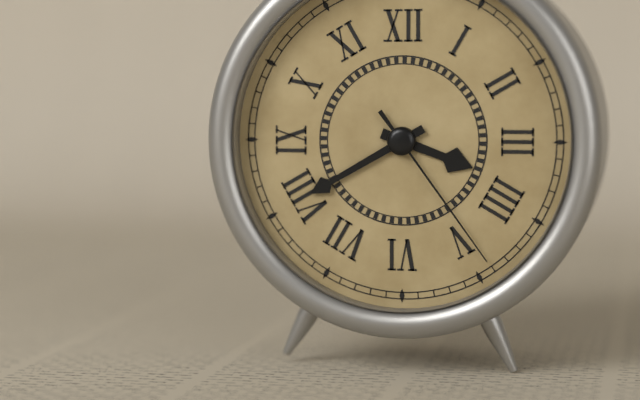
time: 3:40:24
